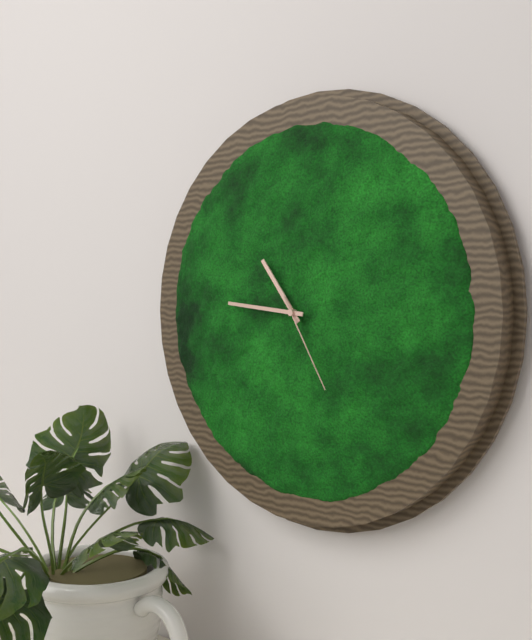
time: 10:46:25
